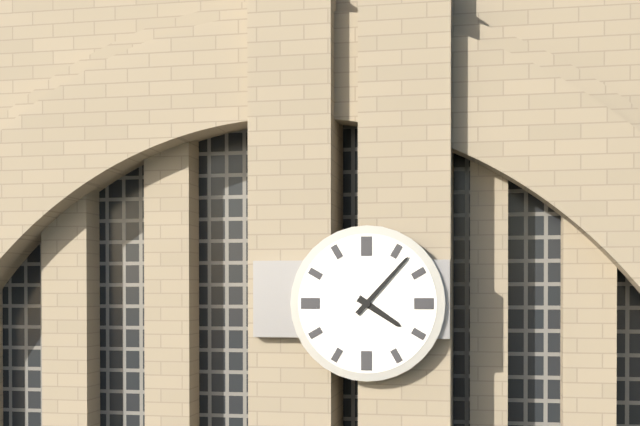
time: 4:07
